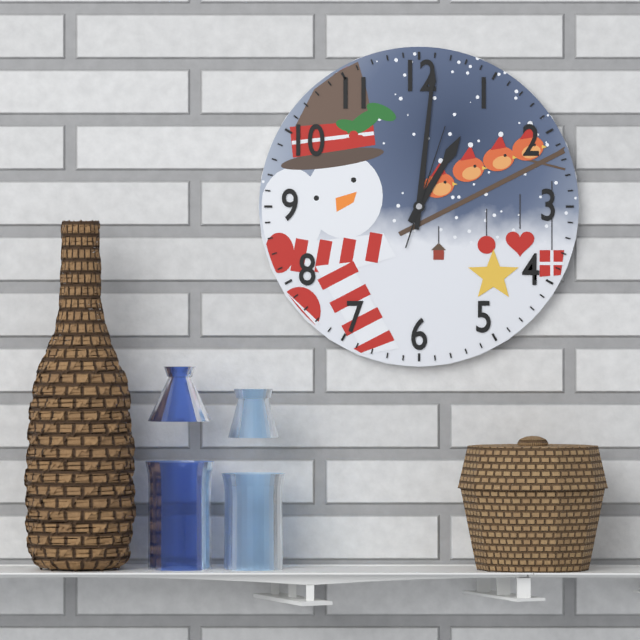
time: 1:01:03
